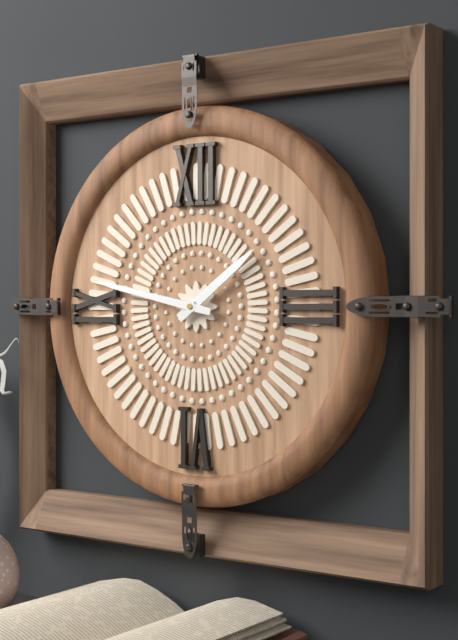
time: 1:47
